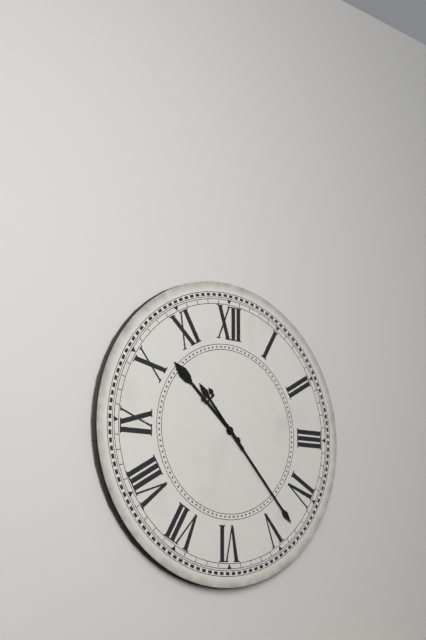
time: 10:23
